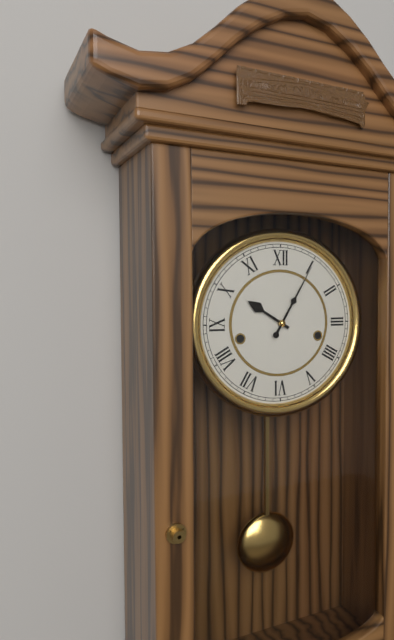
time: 10:05
